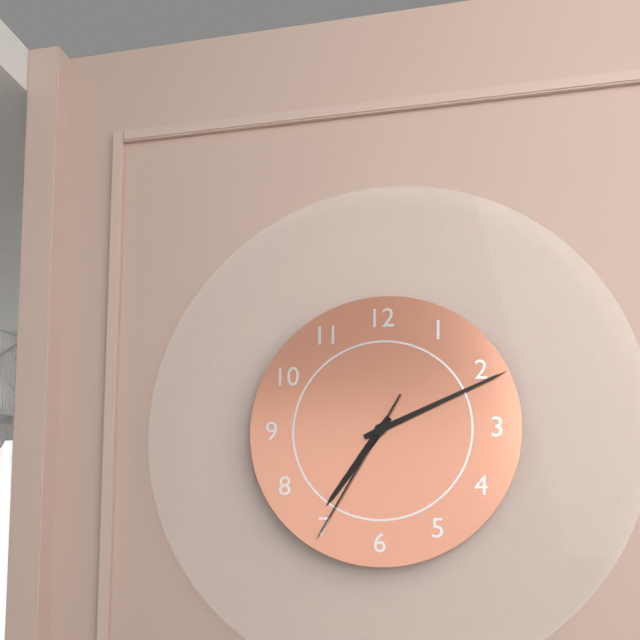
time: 7:11:35
